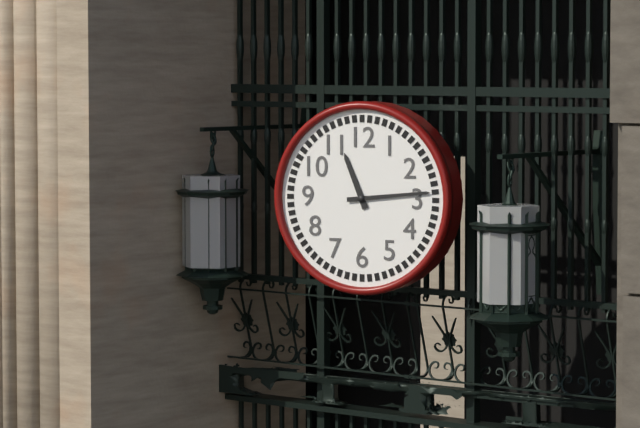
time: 11:14
